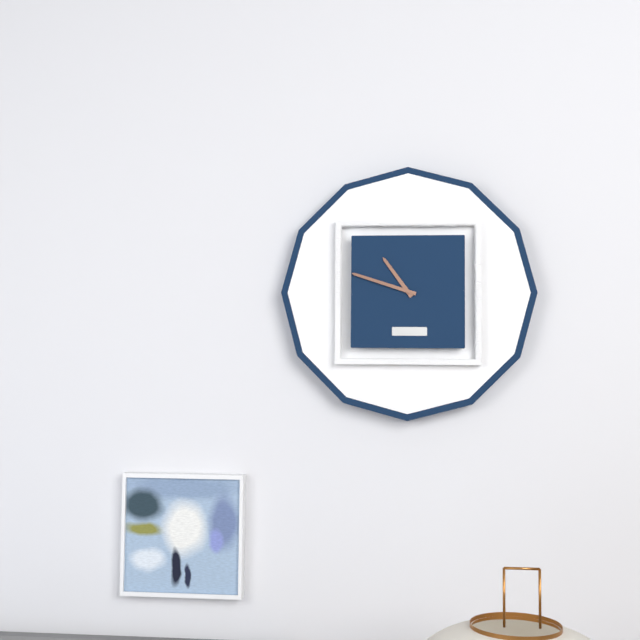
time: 10:48
